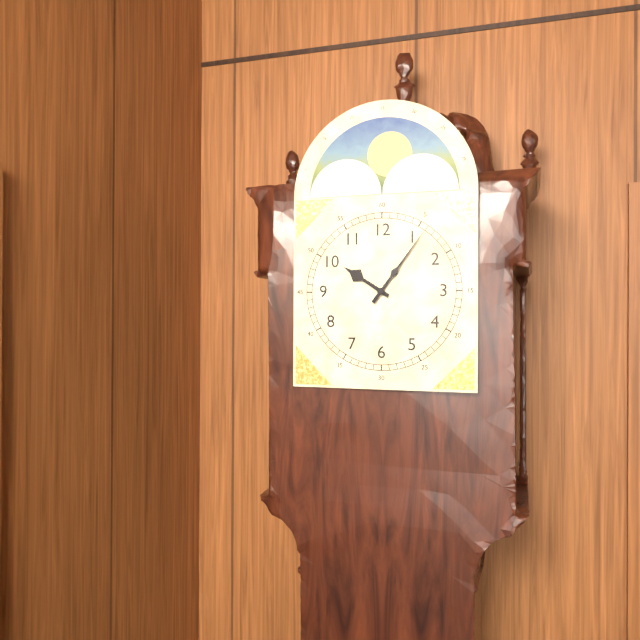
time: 10:06
